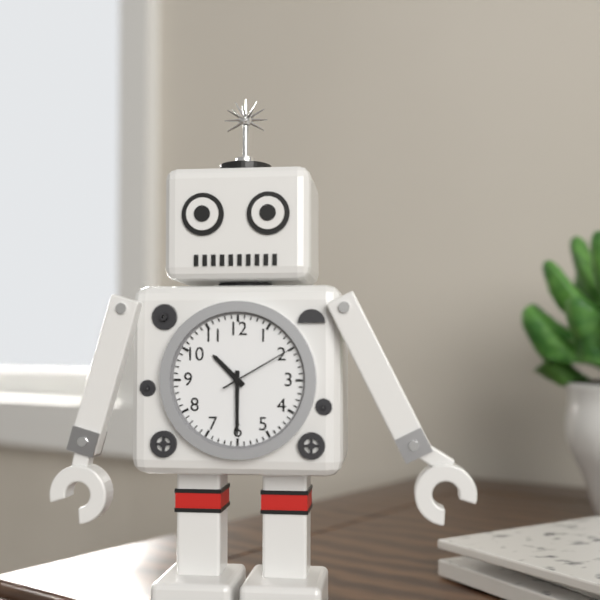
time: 10:30:10
